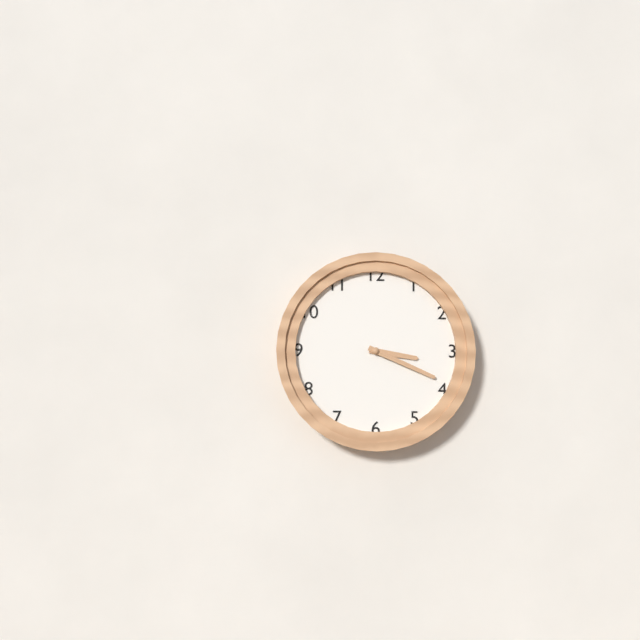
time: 3:19
